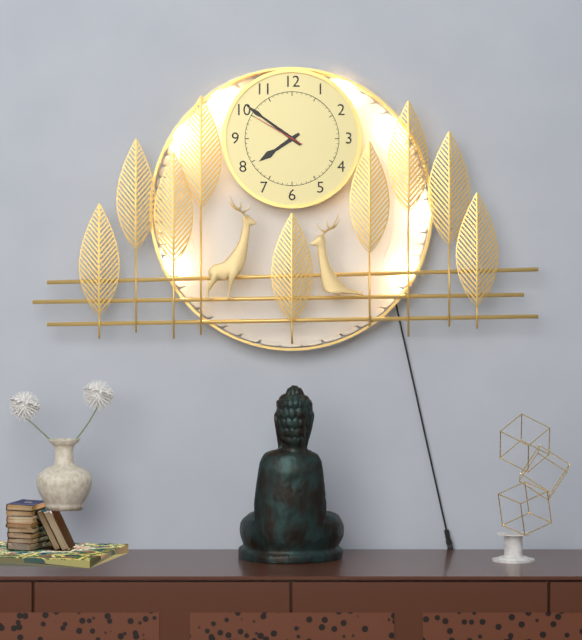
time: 7:51:50
